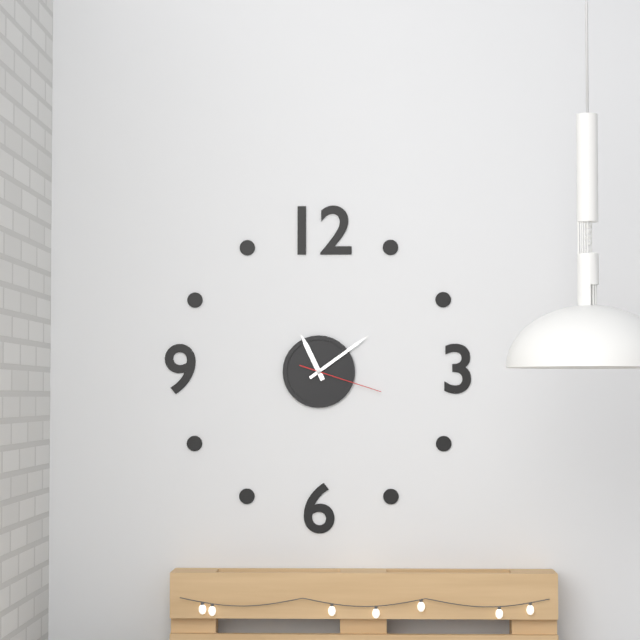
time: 11:09:18
